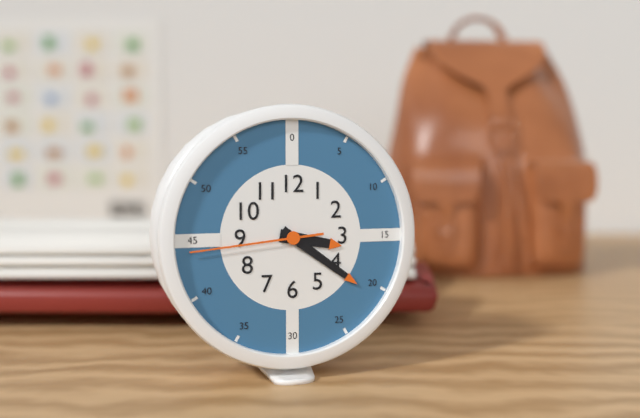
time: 3:21:44
